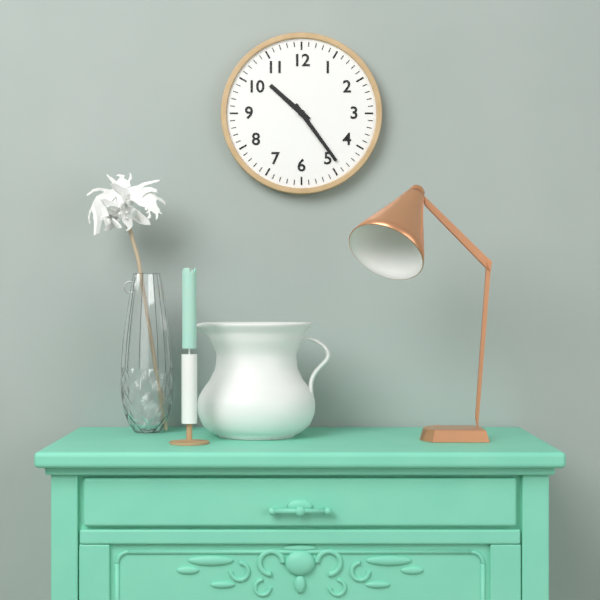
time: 10:24
